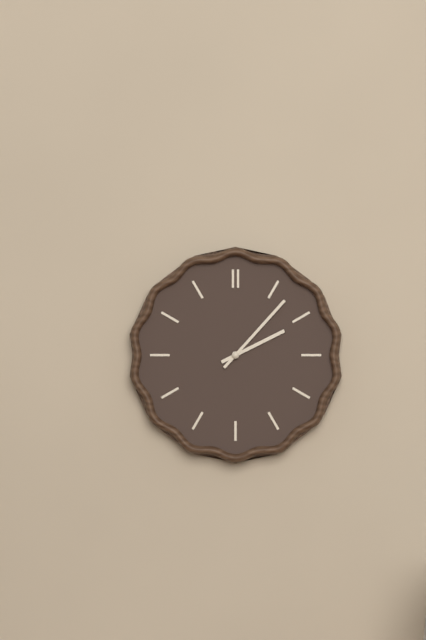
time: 2:07
